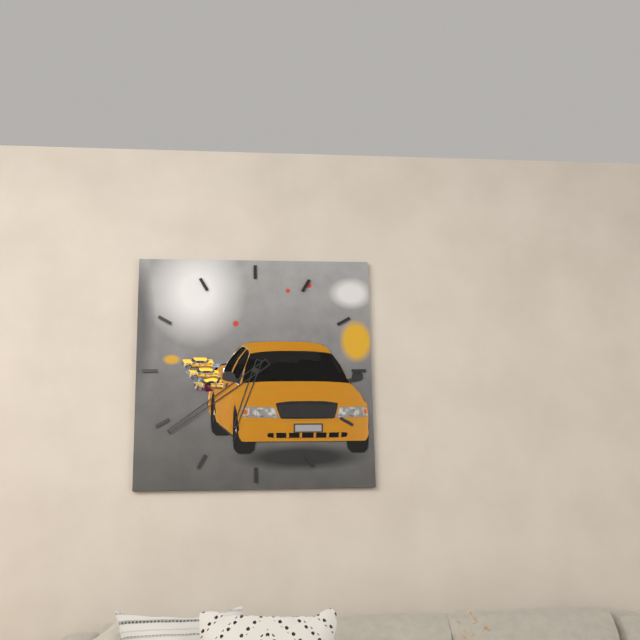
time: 6:39
